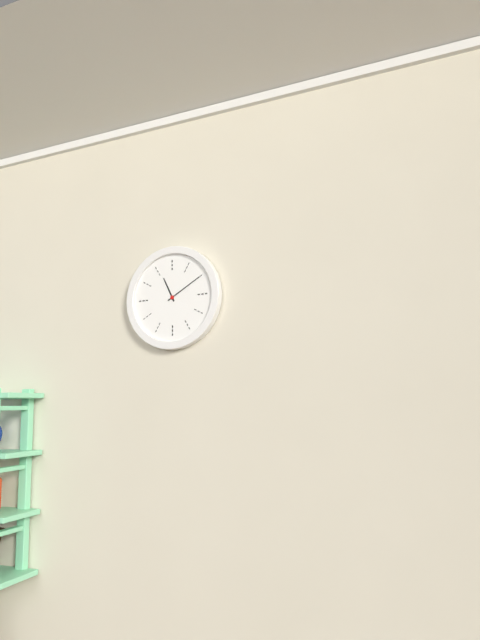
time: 11:10
